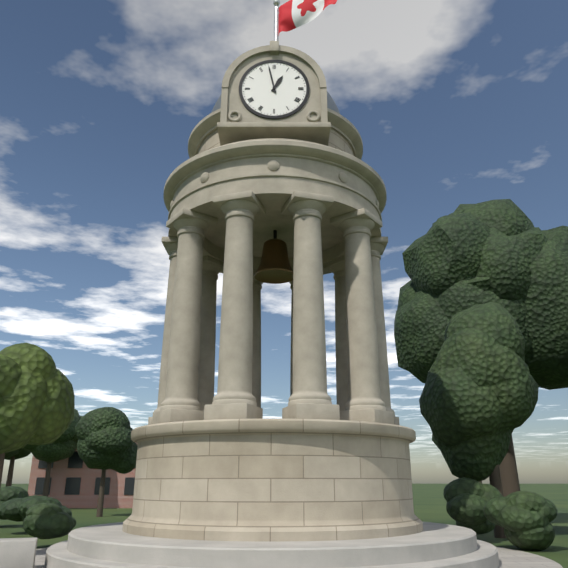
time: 12:58
